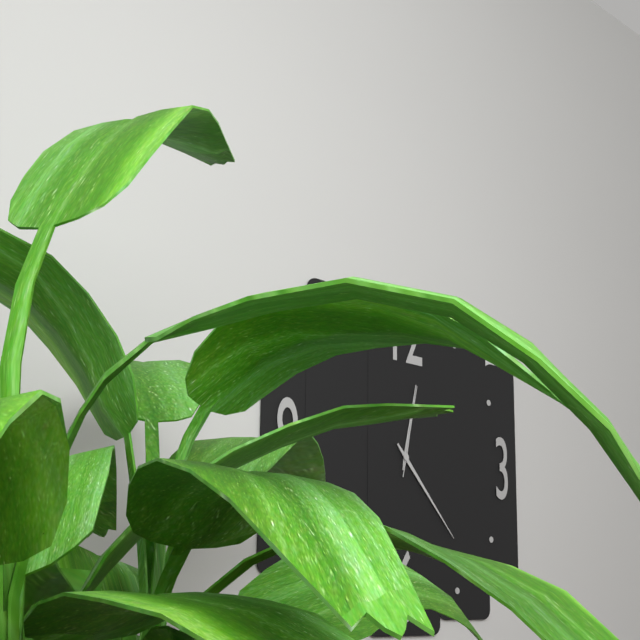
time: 12:23:02
